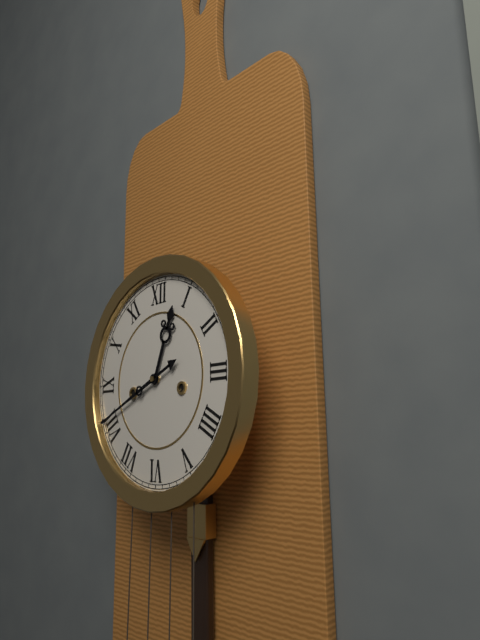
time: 12:41
